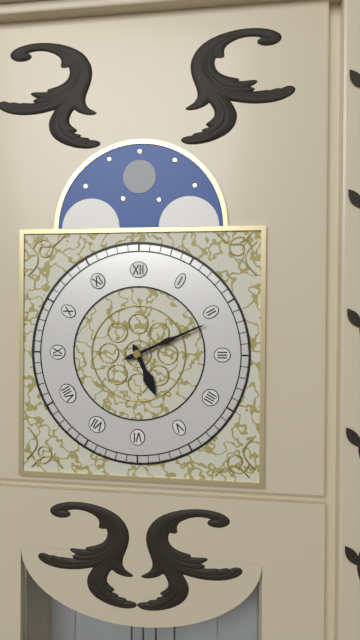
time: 5:11
